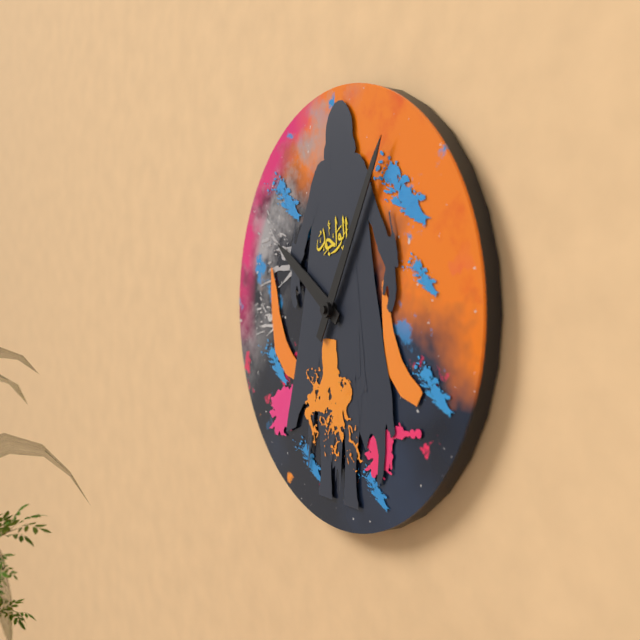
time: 10:05
